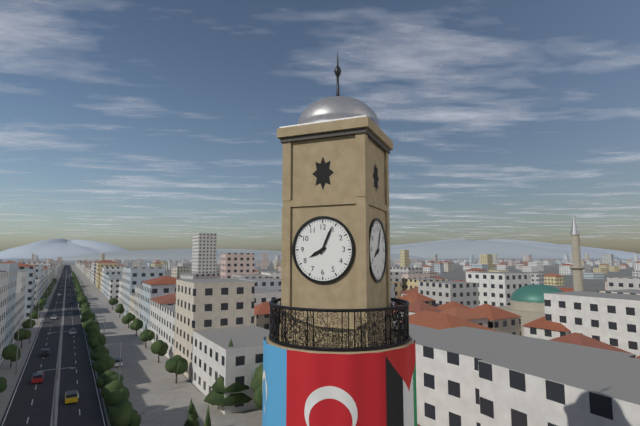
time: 8:04
